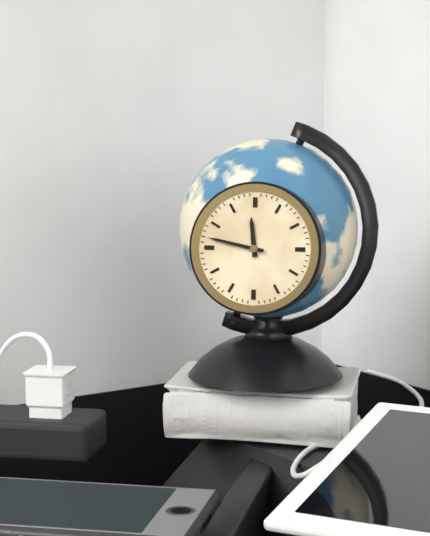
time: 11:47
